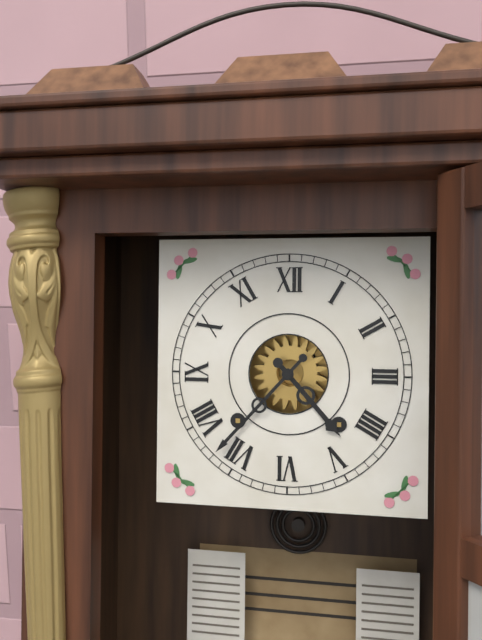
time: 4:37
